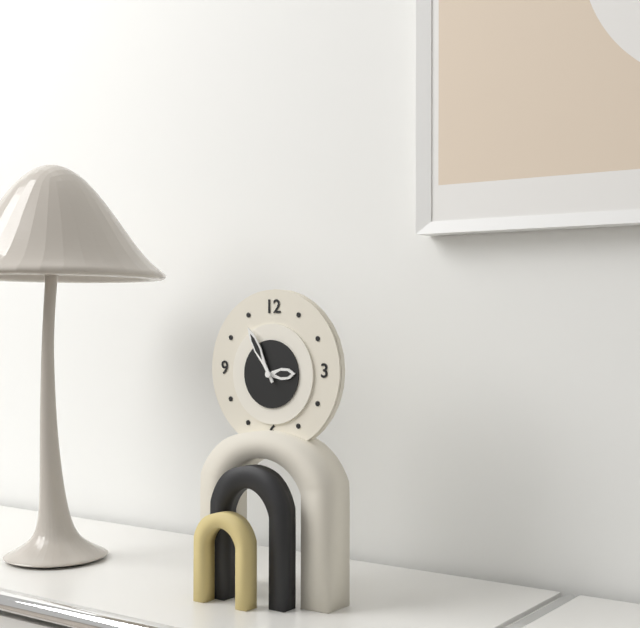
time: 2:55
